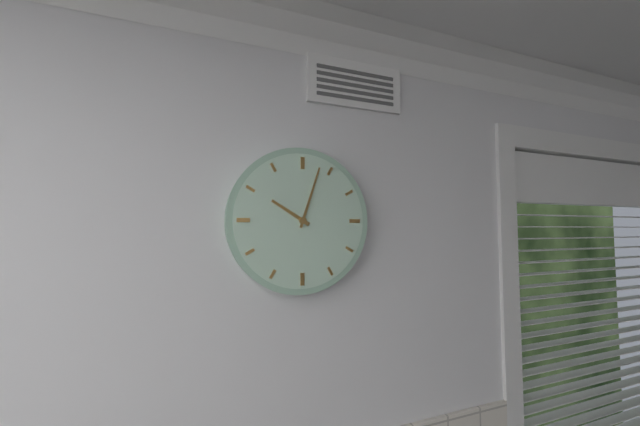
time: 10:03
